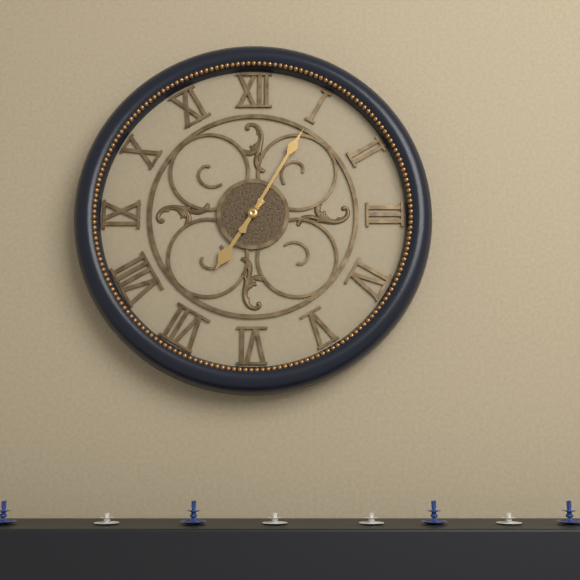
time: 7:05
